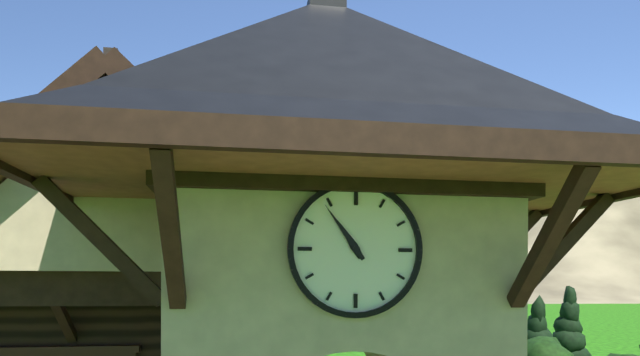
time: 10:54
